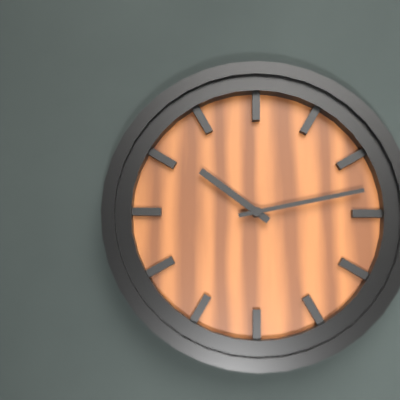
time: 10:13
